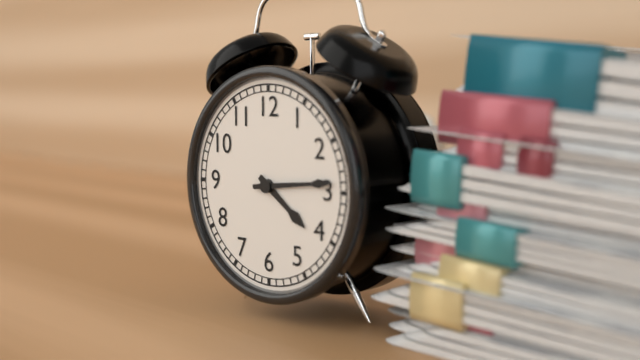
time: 4:14
